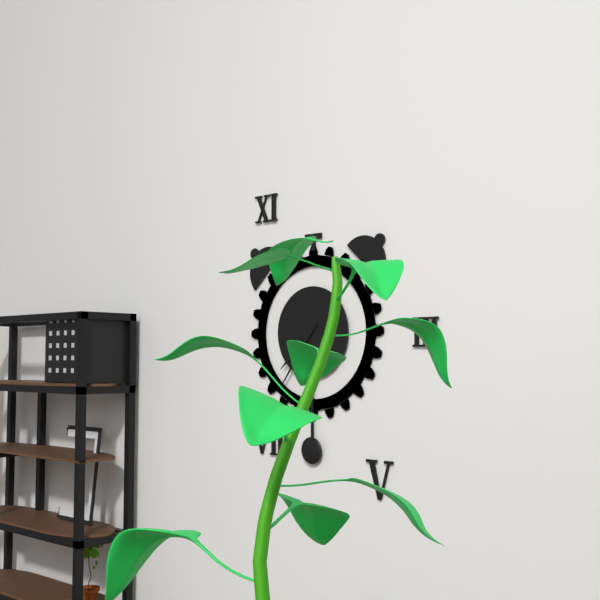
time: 7:36
